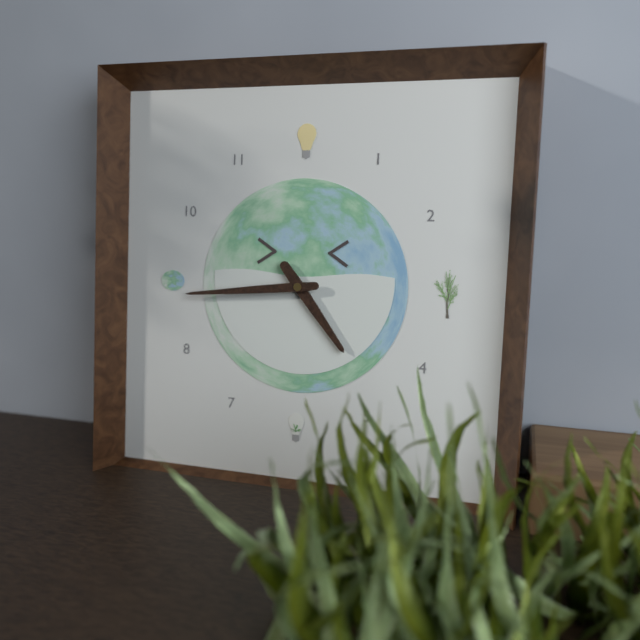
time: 4:44
